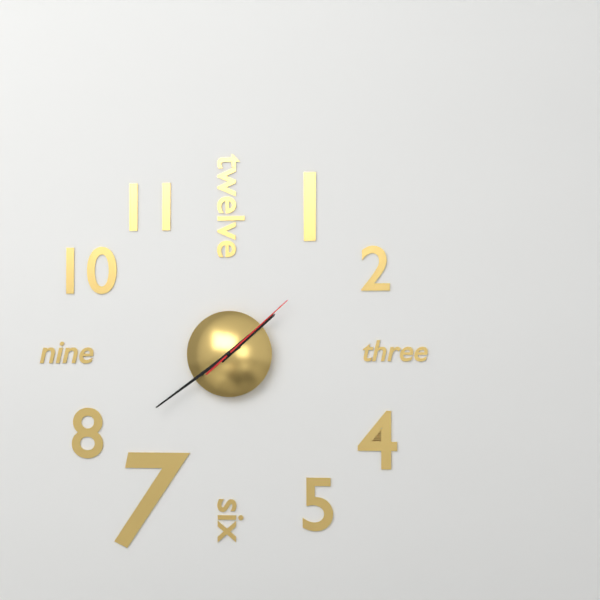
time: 1:39:08
